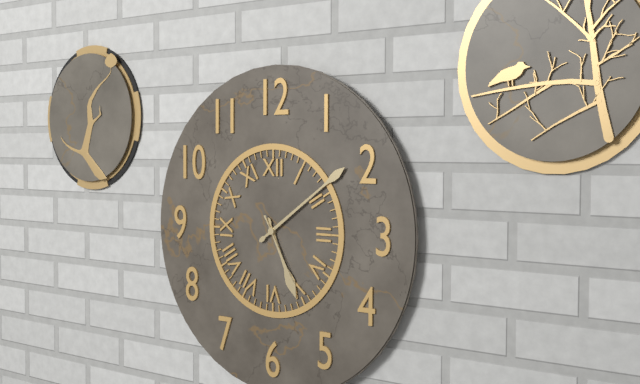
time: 5:09:25
